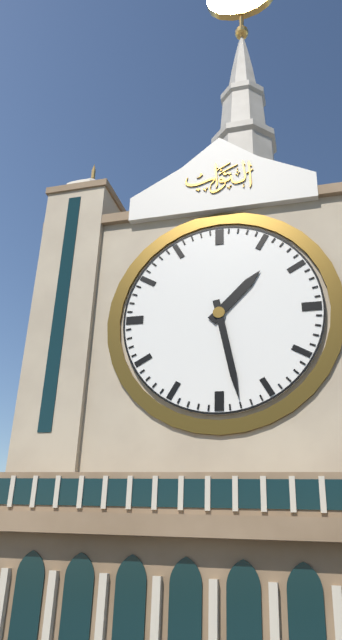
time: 1:28
